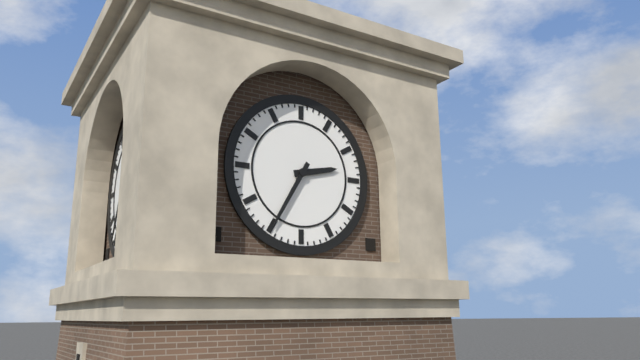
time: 2:35
